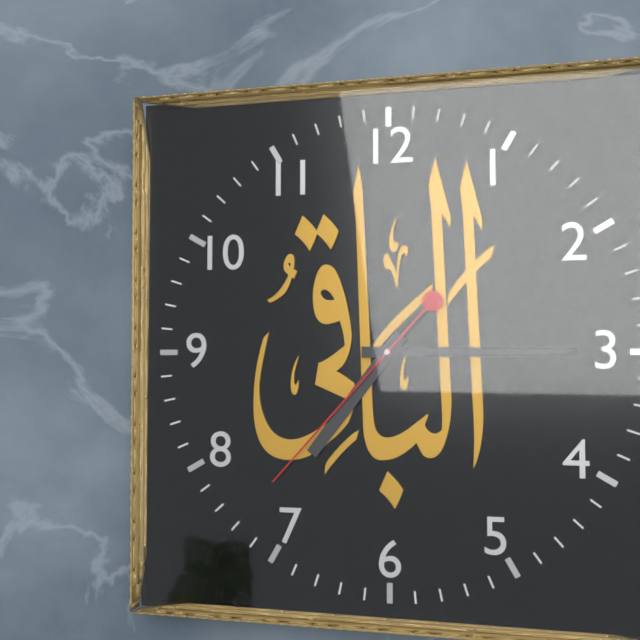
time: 7:15:37
